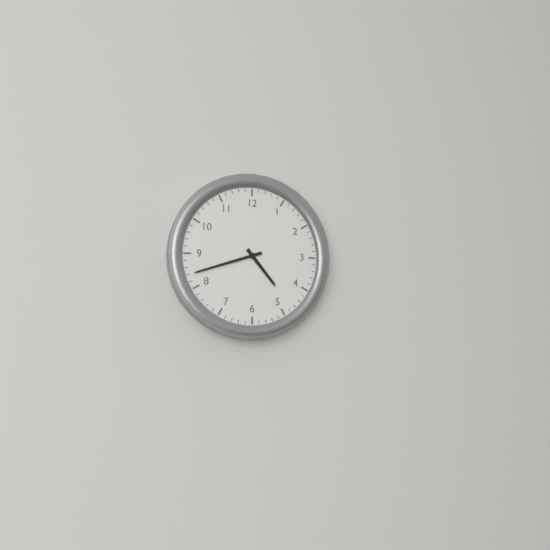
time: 4:42
